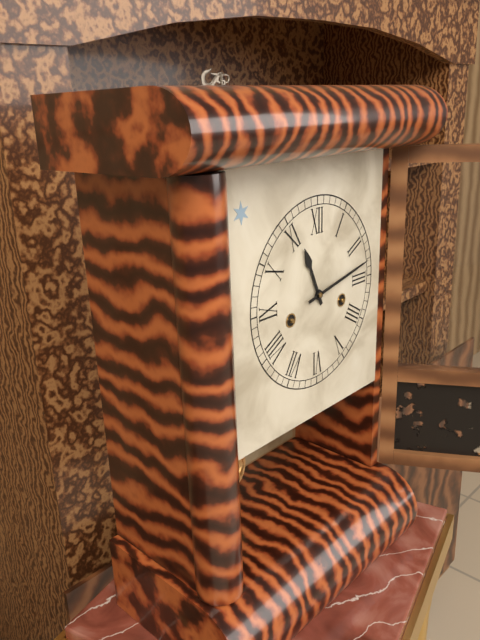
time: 11:13
